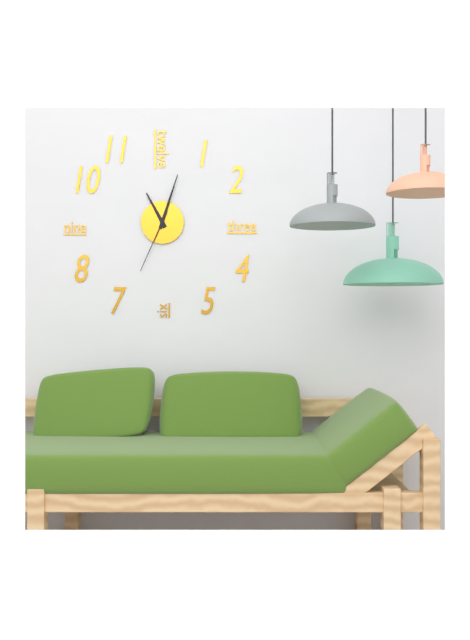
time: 11:03:34
